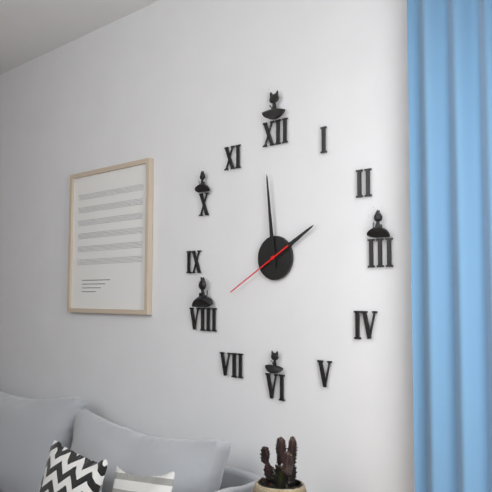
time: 1:59:40
